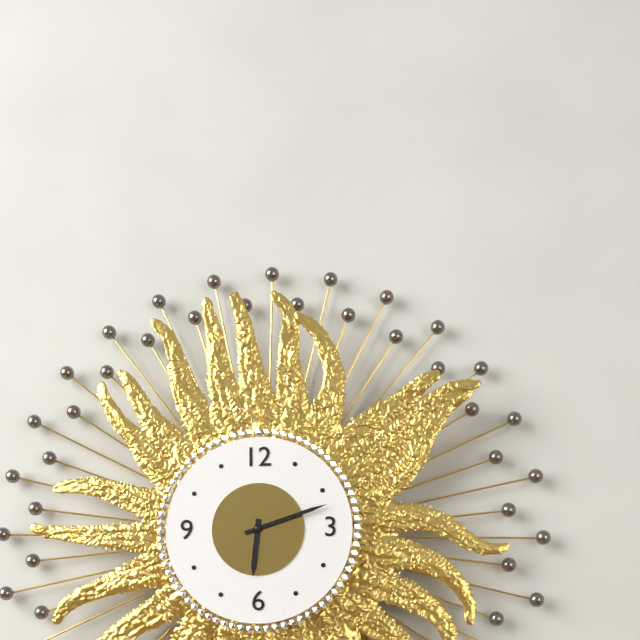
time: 6:12
